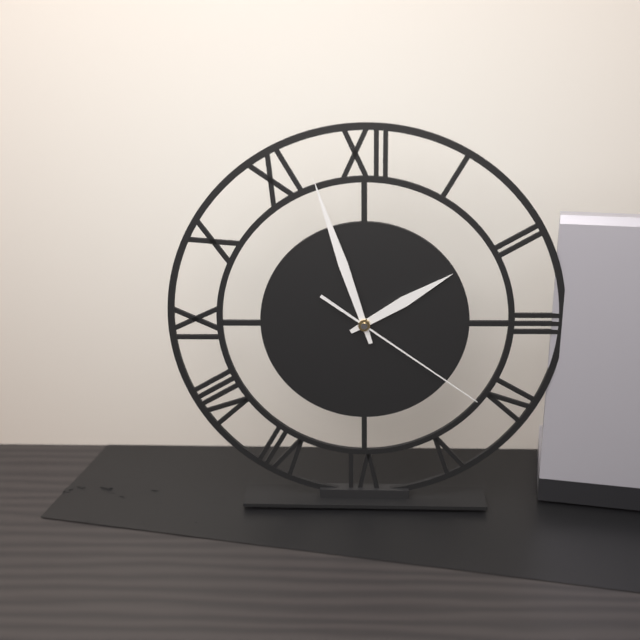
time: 1:57:21
